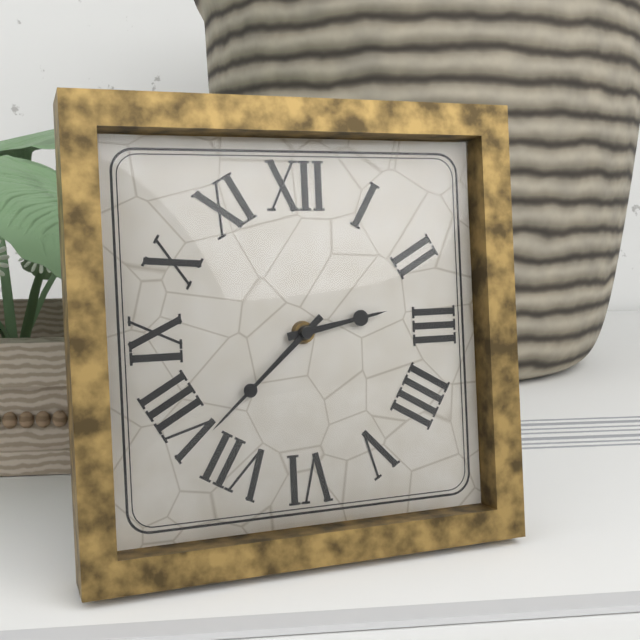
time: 2:38
